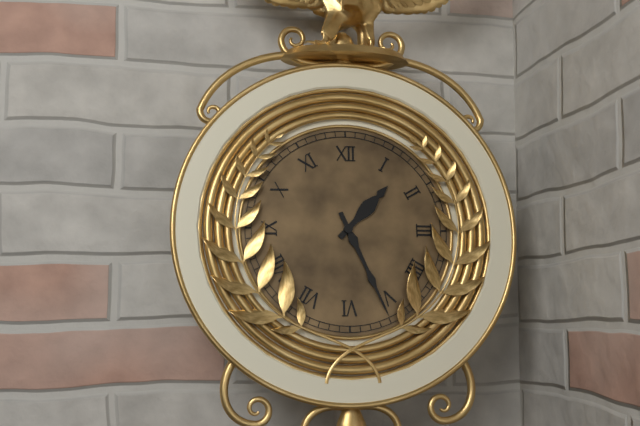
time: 1:26
